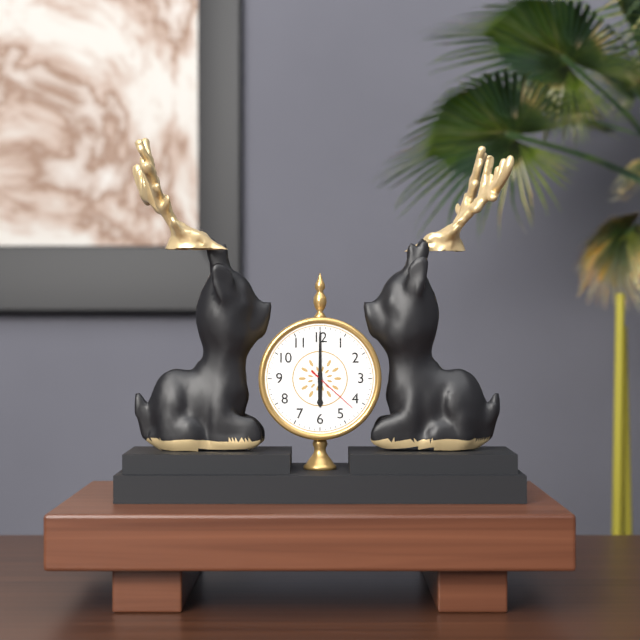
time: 6:00:22
